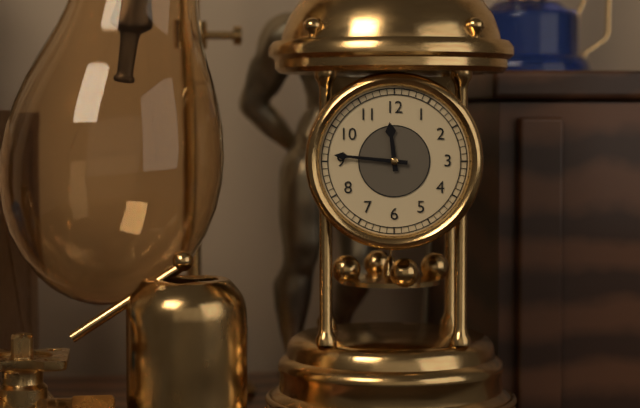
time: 11:46
